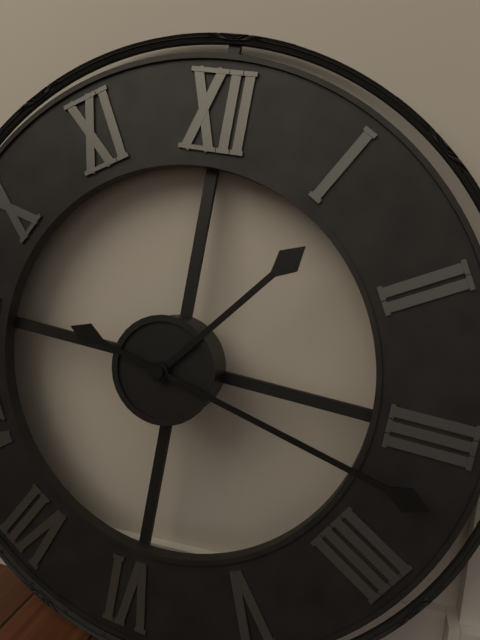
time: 1:17
